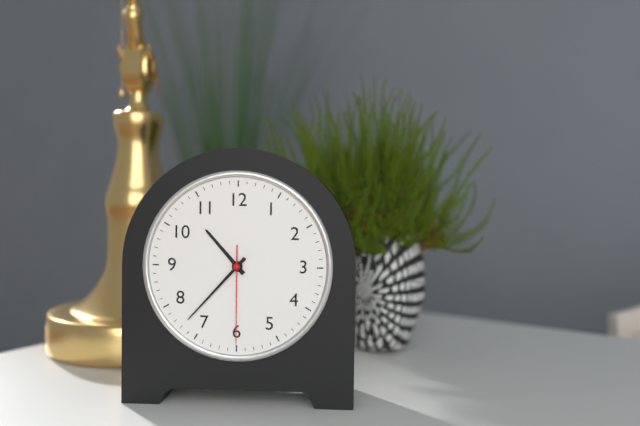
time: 10:37:30
